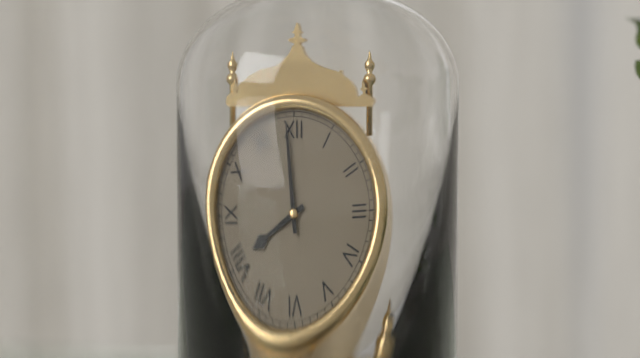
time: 7:59
